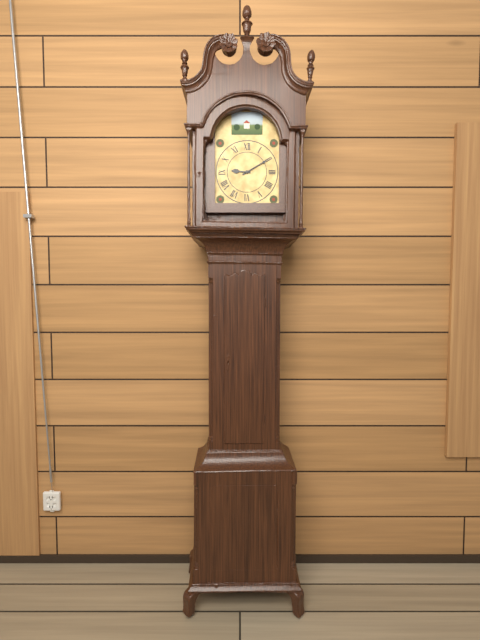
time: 9:10
